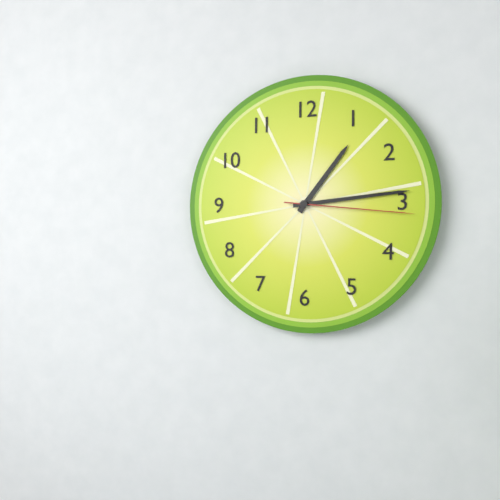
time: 1:14:16
